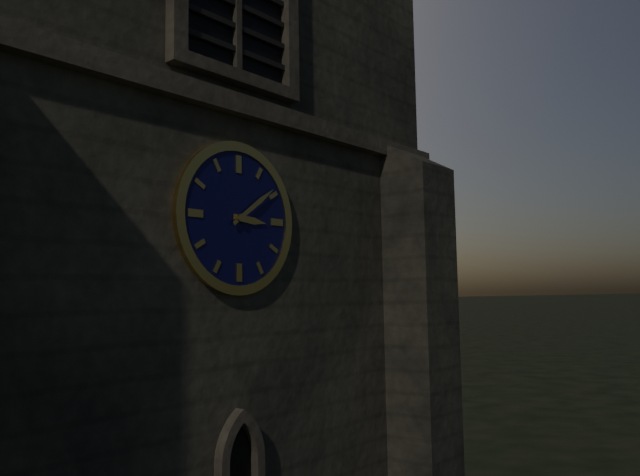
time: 3:09
